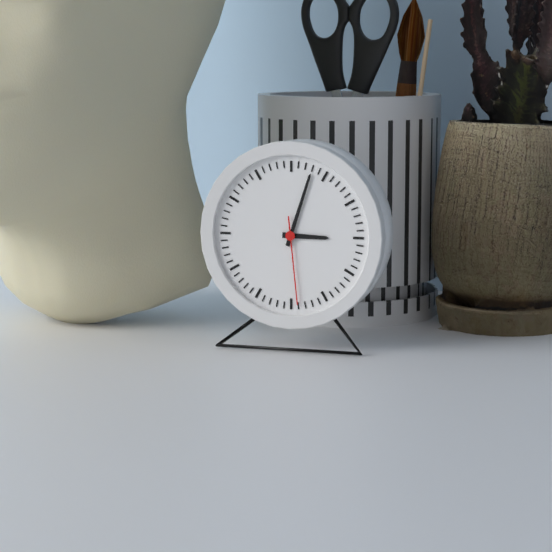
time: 3:03:29
